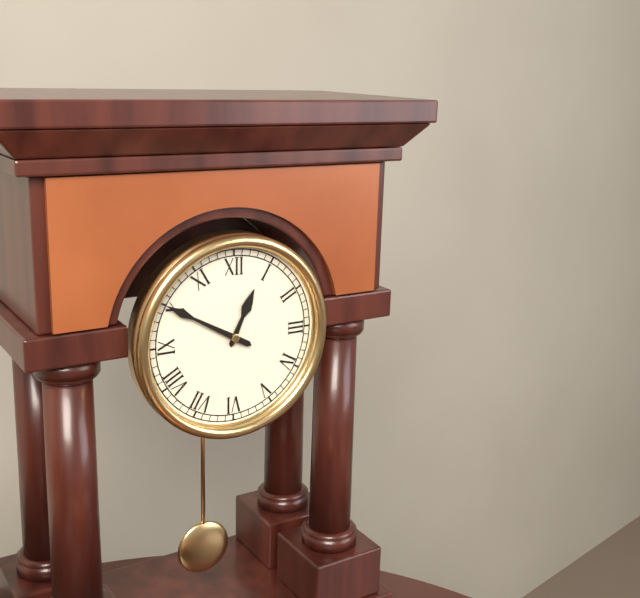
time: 12:50
